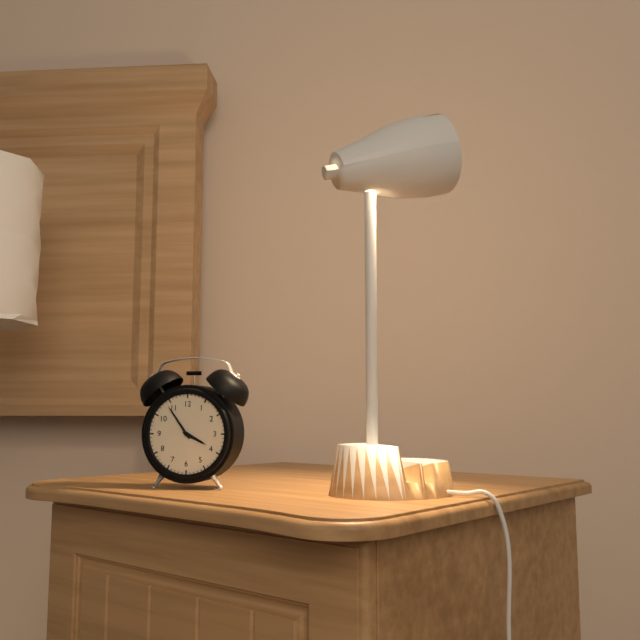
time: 3:54
